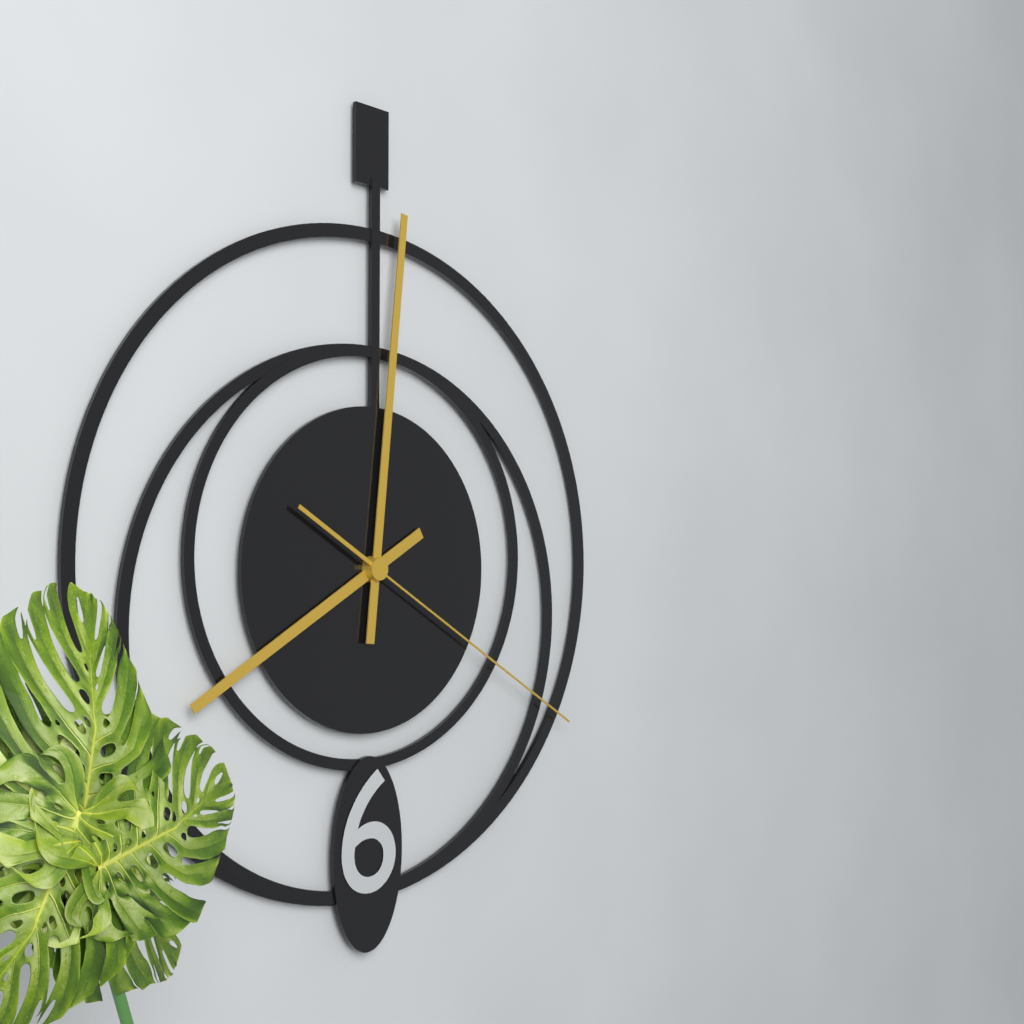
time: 8:01:20
